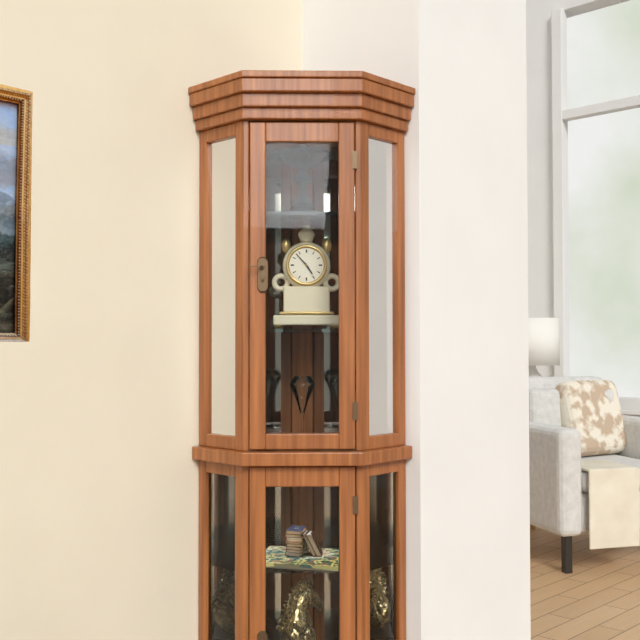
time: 4:53
